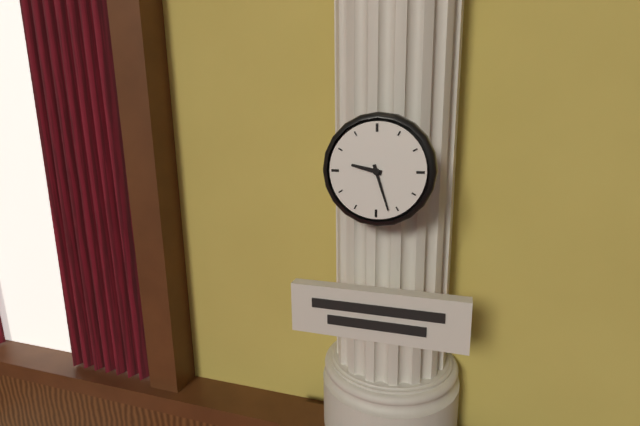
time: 9:27
